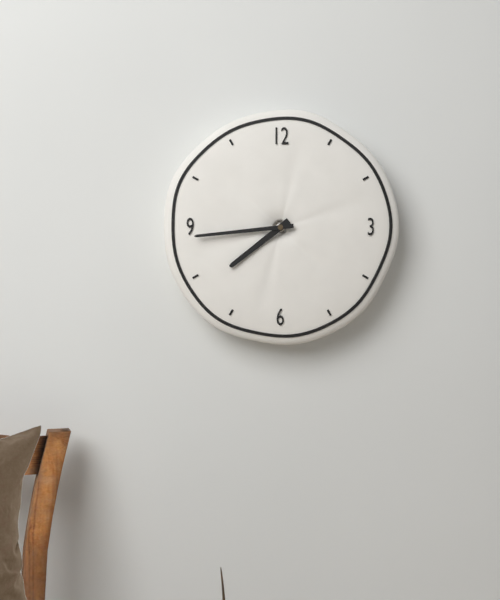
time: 7:44
